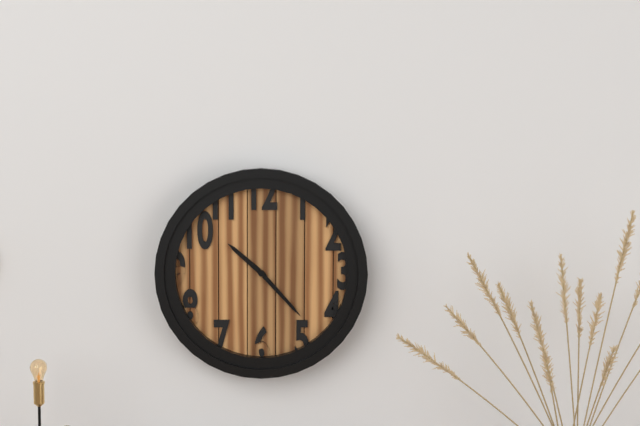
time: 10:23
